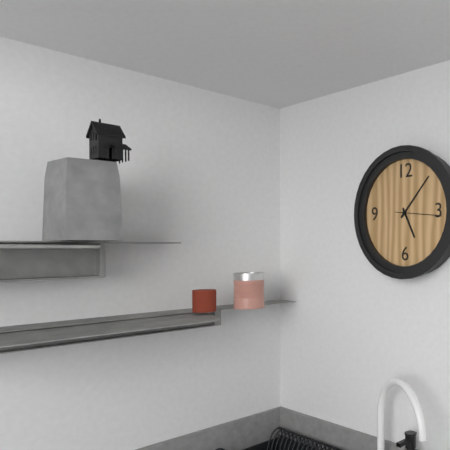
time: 5:07
